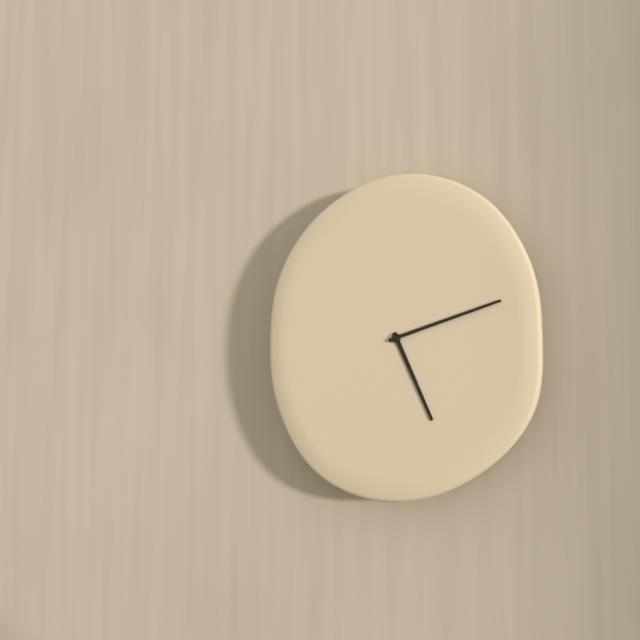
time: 5:12
